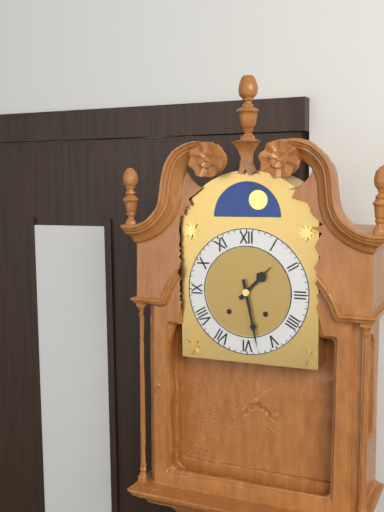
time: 1:28
